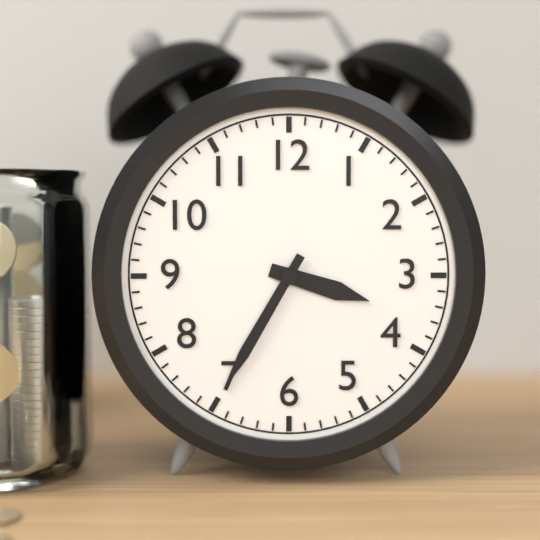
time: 3:35
